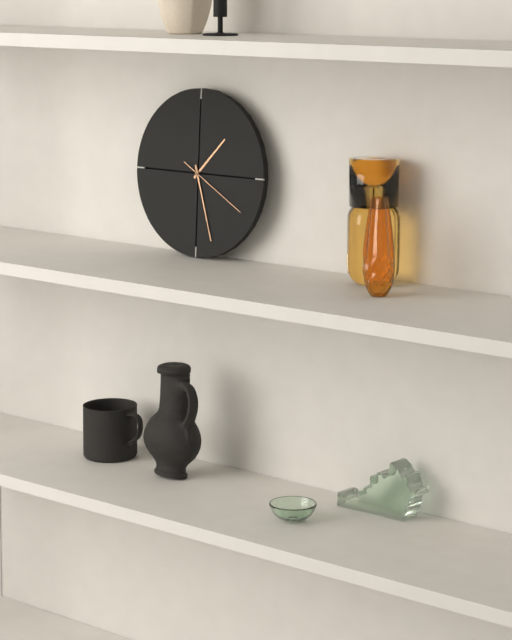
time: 1:27:20
